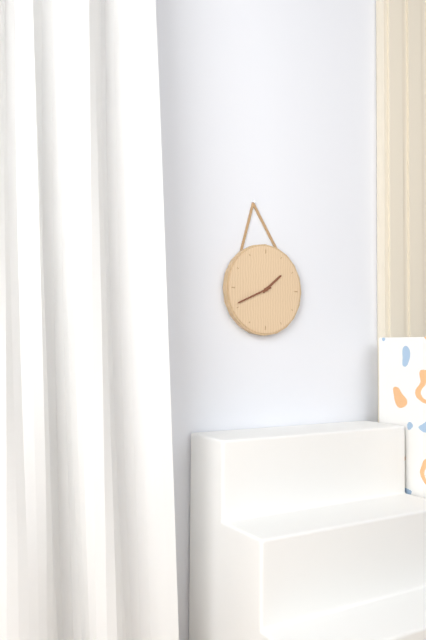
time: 1:41
